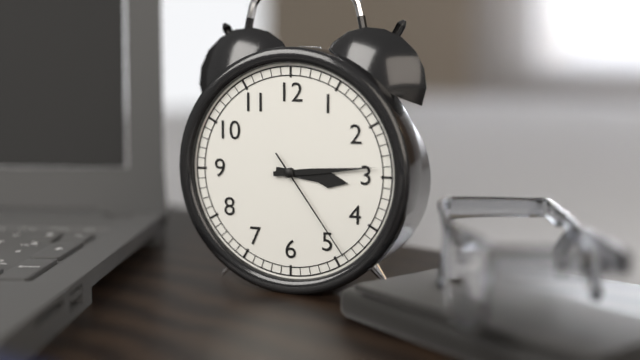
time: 3:14:24
